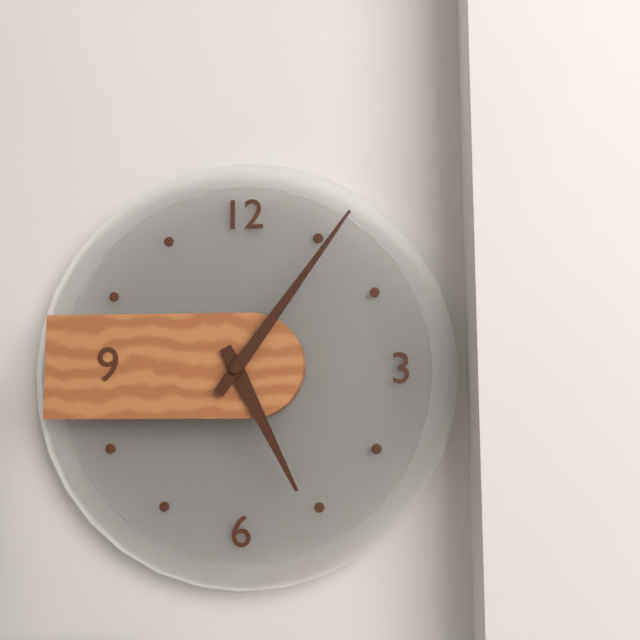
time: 5:06
